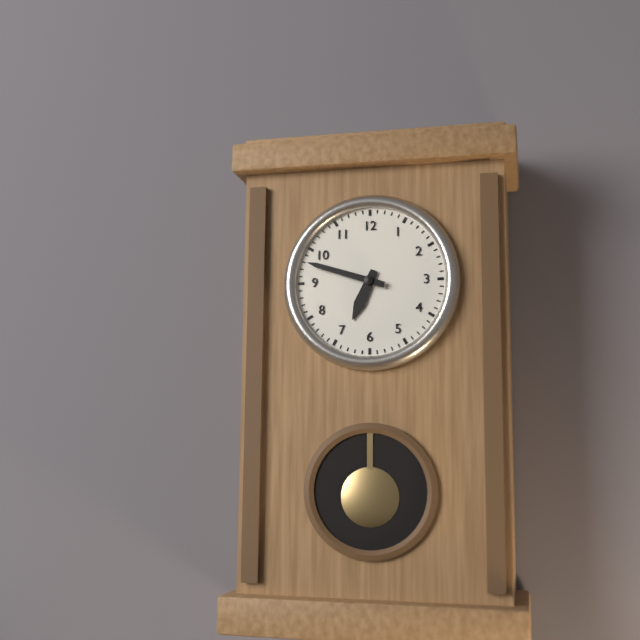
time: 6:48
